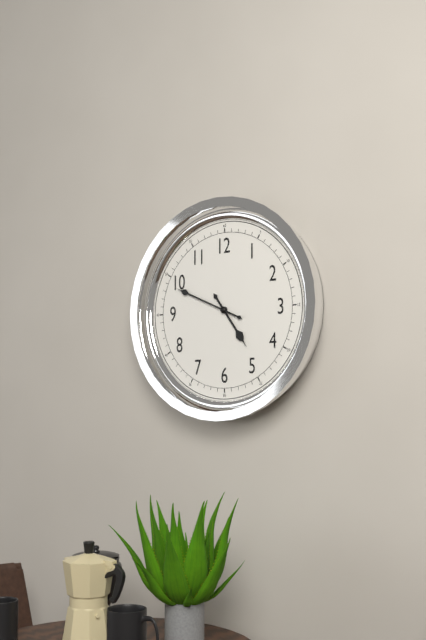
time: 4:49
